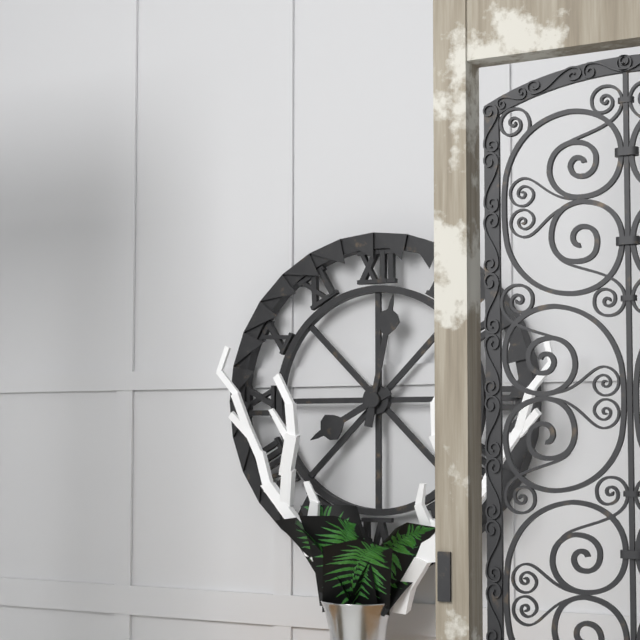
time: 8:02
